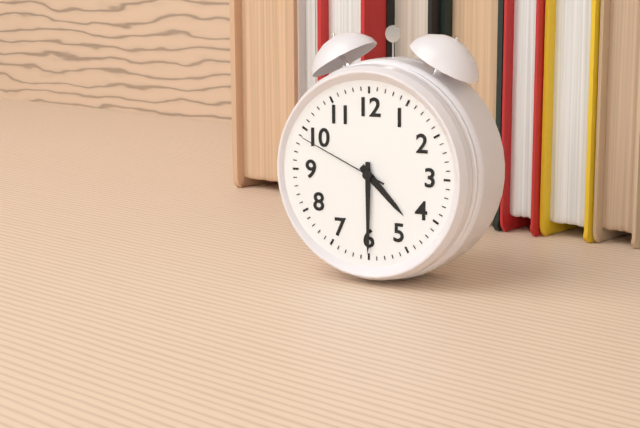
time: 4:30:49
